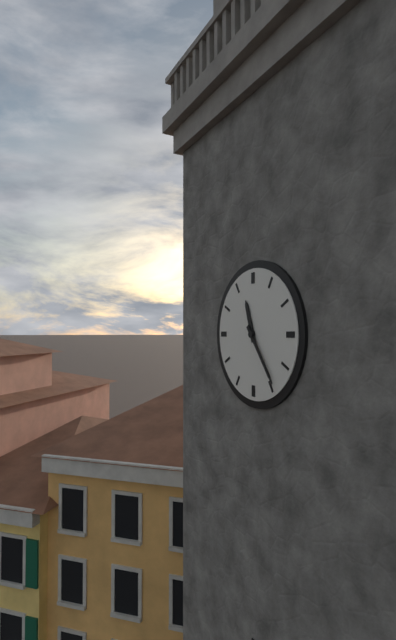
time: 11:24
